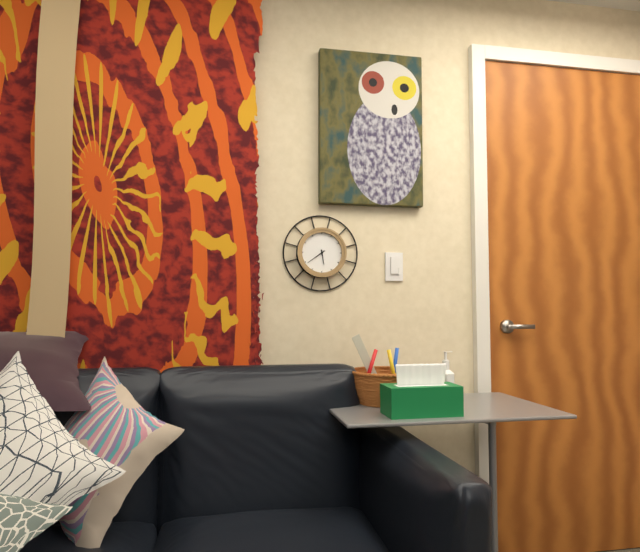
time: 5:39
